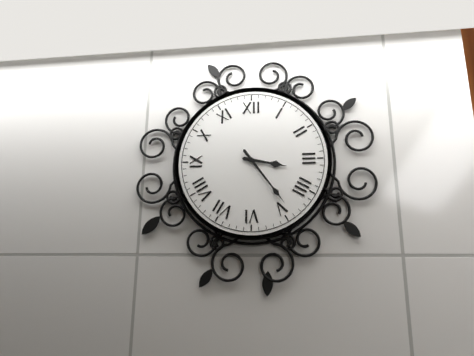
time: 3:24
